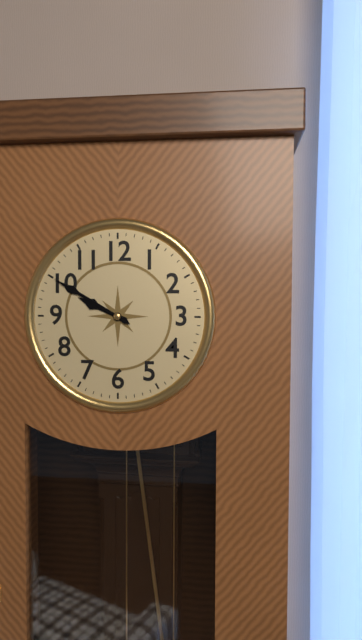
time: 9:50
